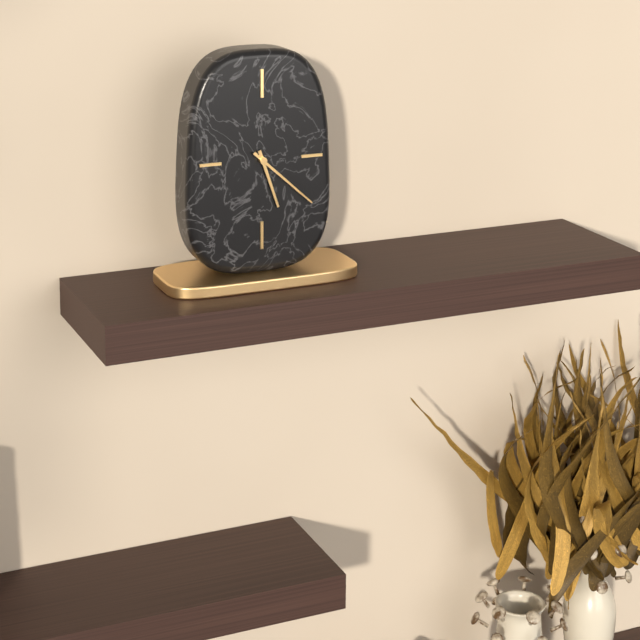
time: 5:22
